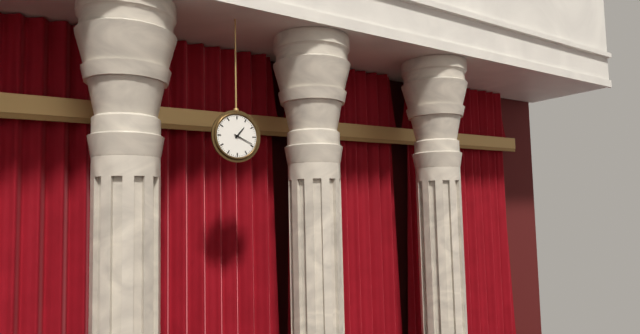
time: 1:19
